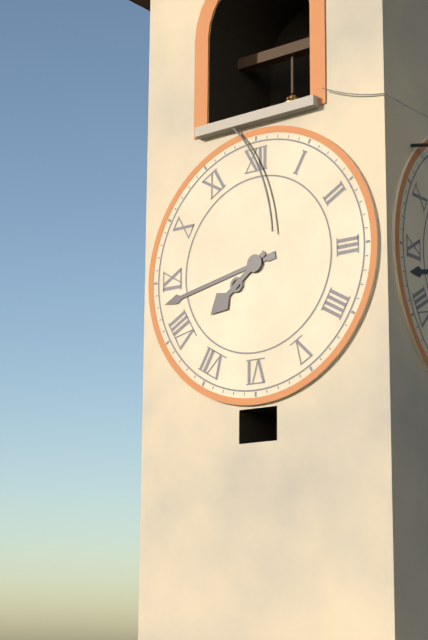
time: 7:43
